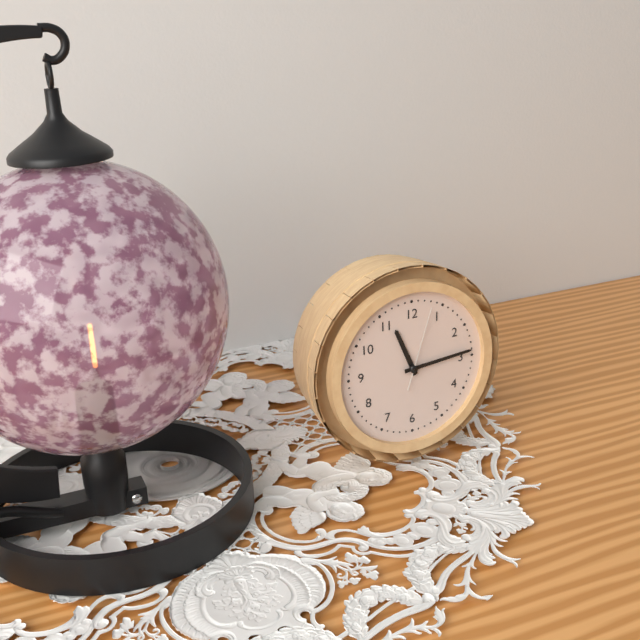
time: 11:14:03
